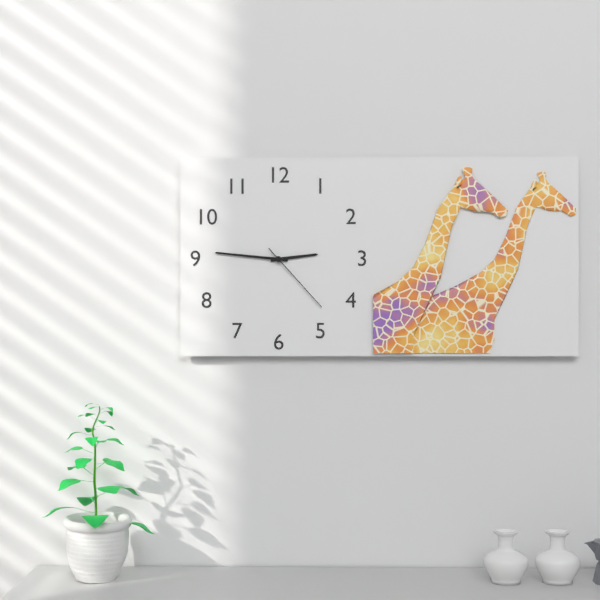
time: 2:46:23
